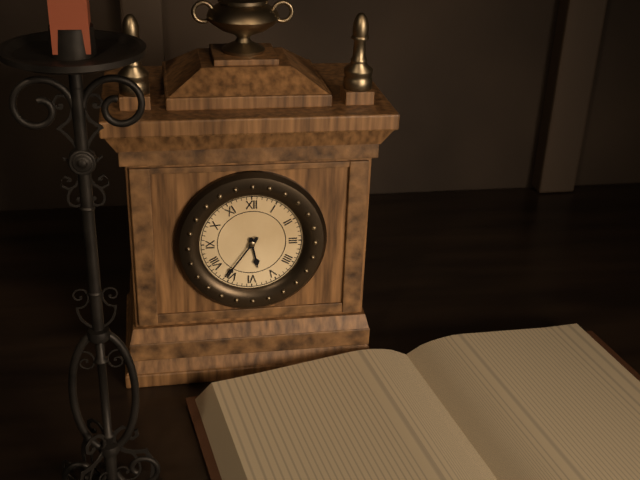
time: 5:36
